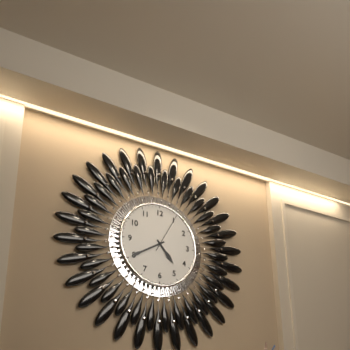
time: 4:40
